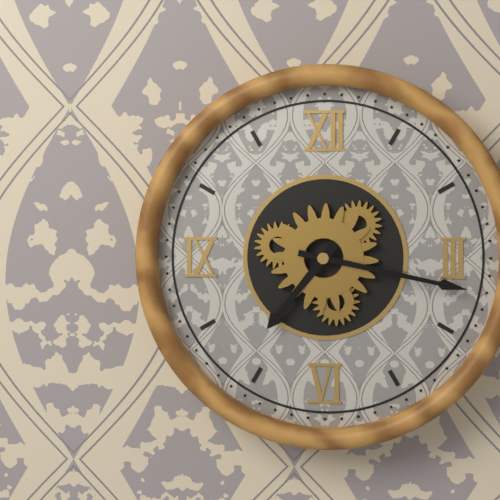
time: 7:17
